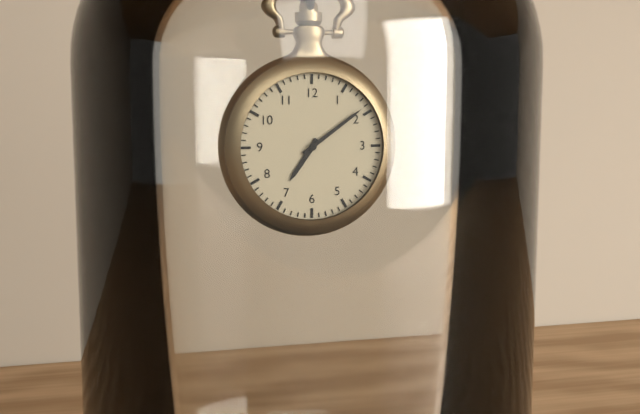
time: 7:09
